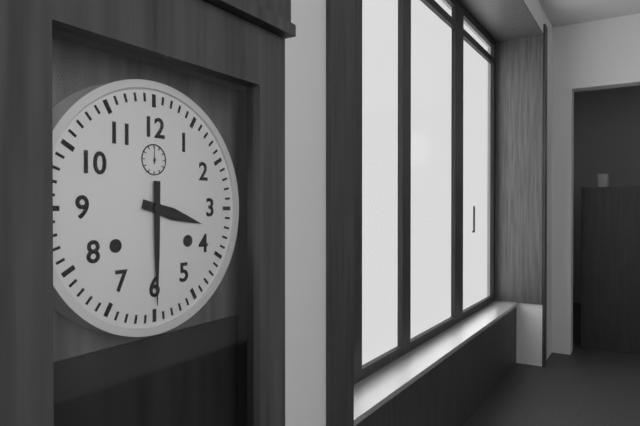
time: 3:30
